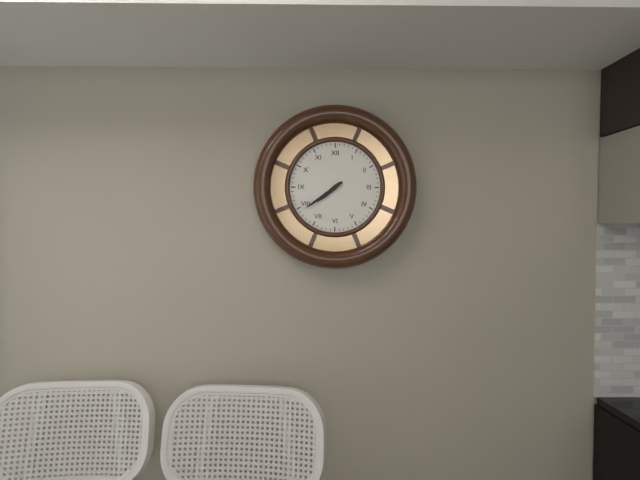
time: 7:39
